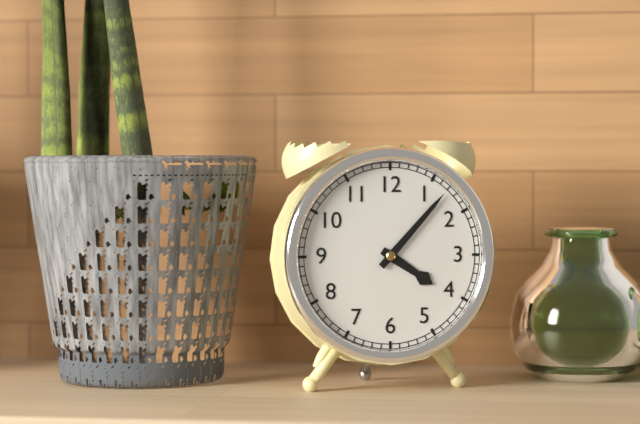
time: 4:07
